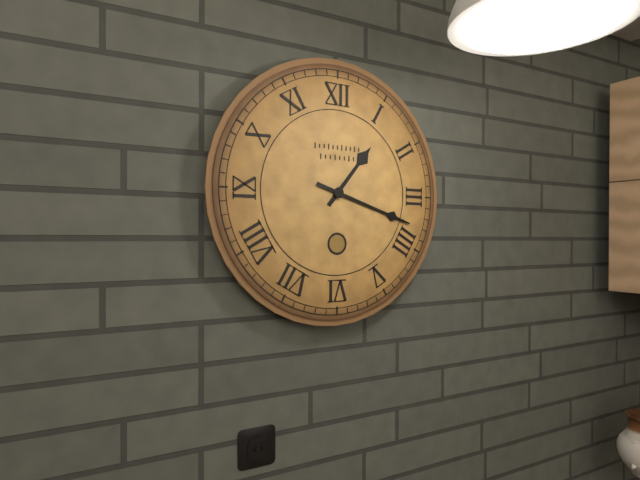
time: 1:18
